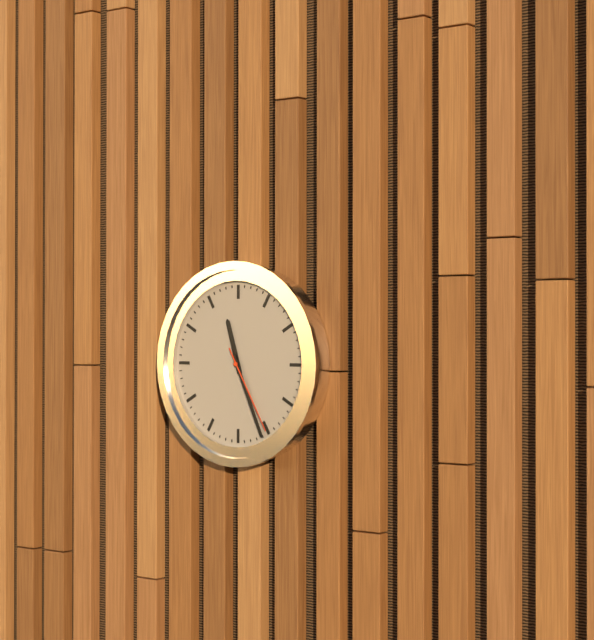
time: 11:26:25
